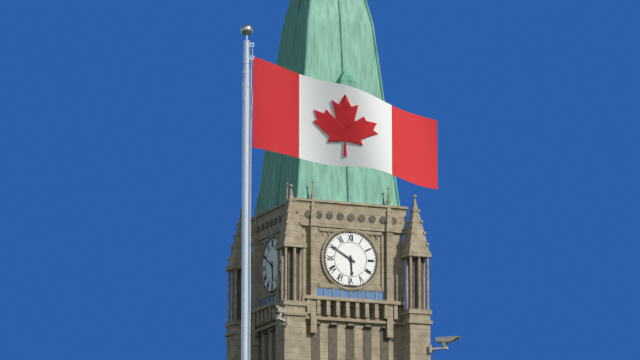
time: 5:50
